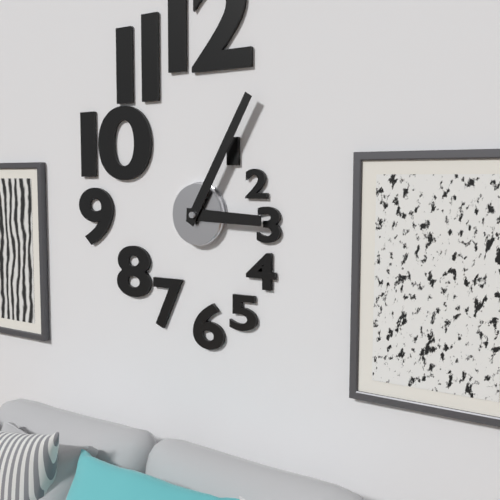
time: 3:05
